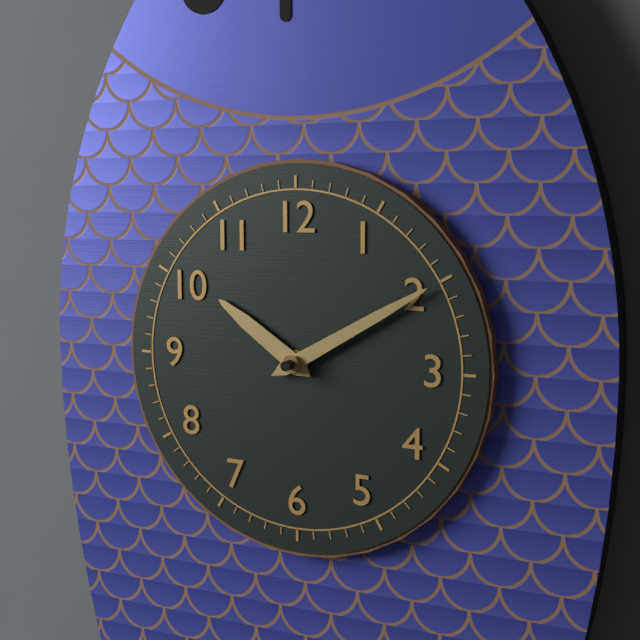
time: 10:10
